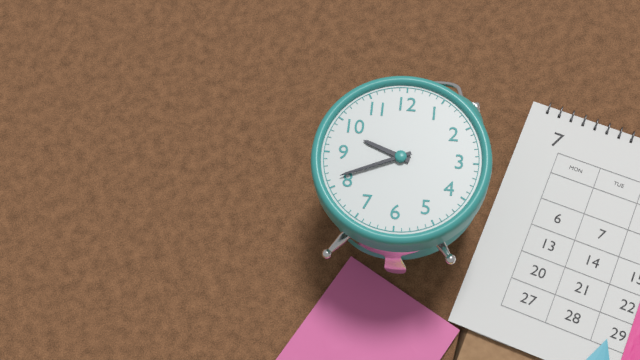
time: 9:41
